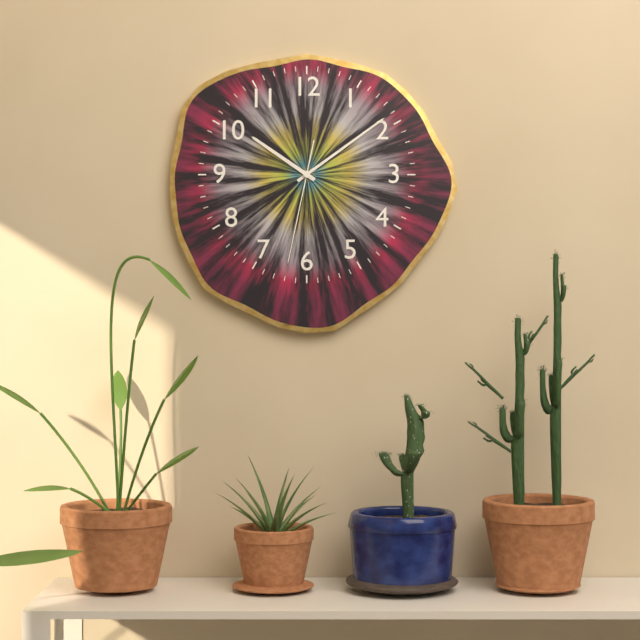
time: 10:09:32
